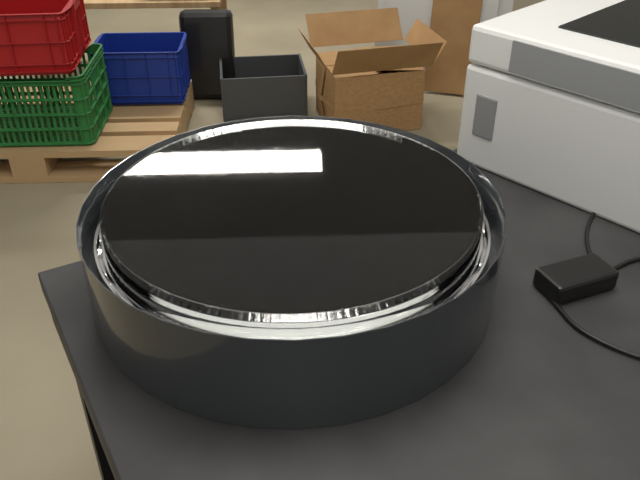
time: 7:44
